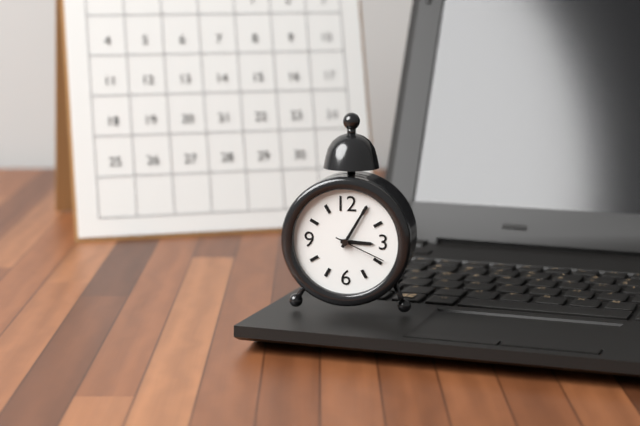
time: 3:05:19
